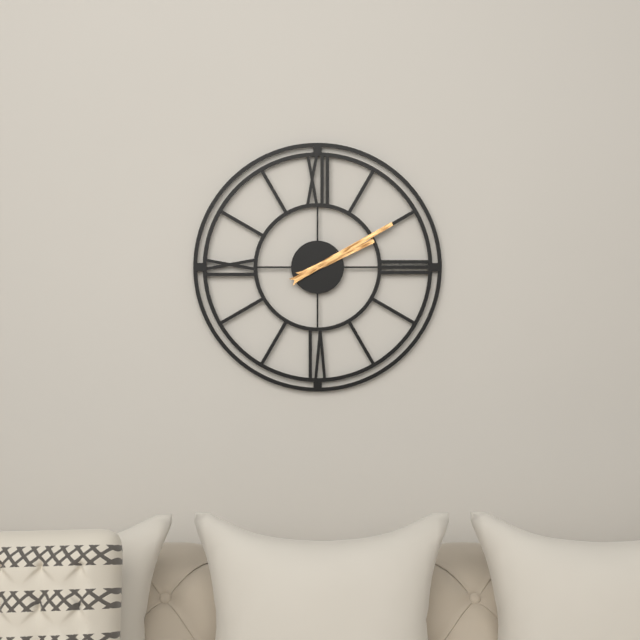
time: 2:10
